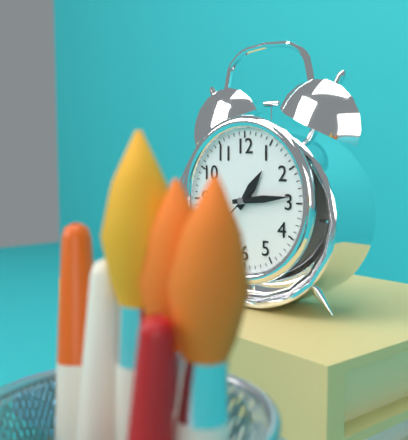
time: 1:14
